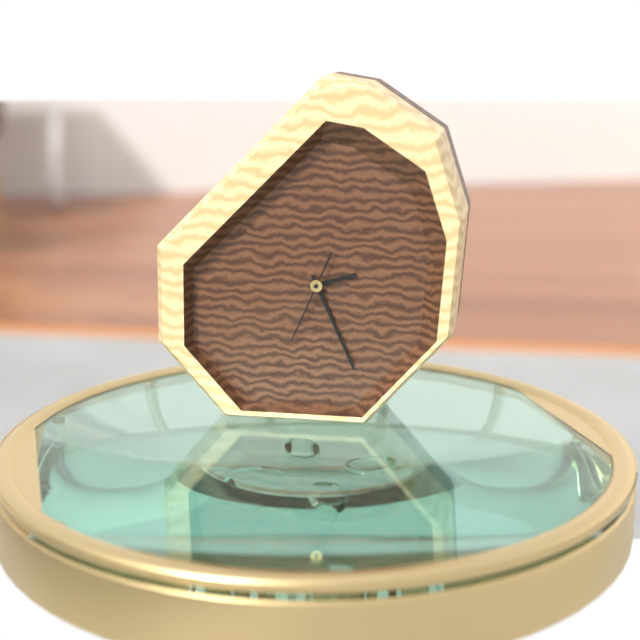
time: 2:26:34
